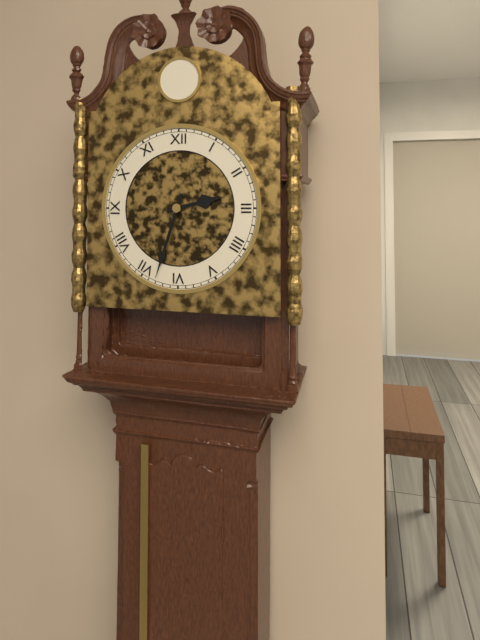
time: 2:33
